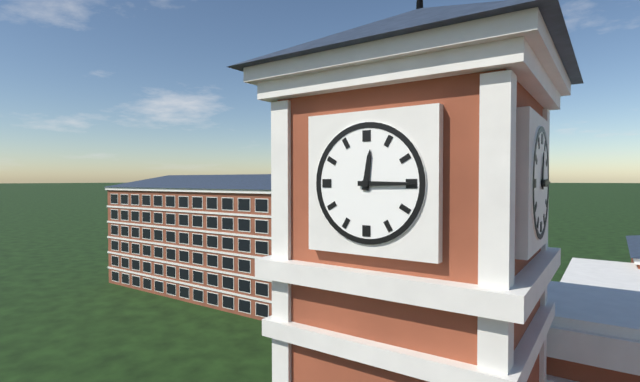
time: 12:15
